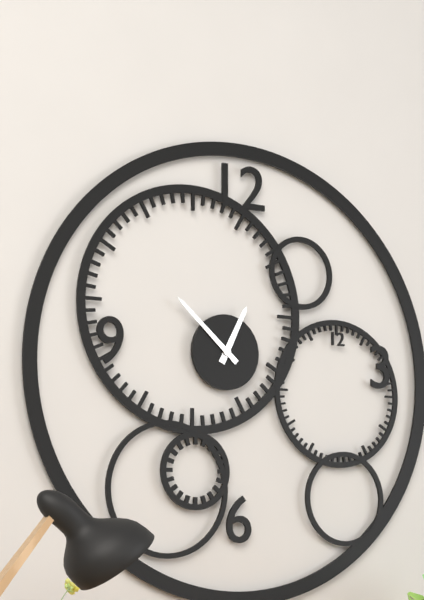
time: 12:52
